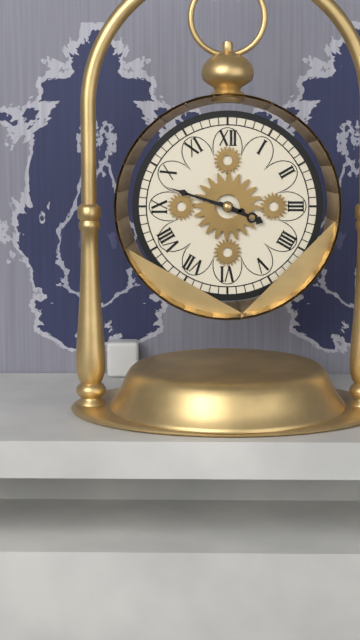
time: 3:48
